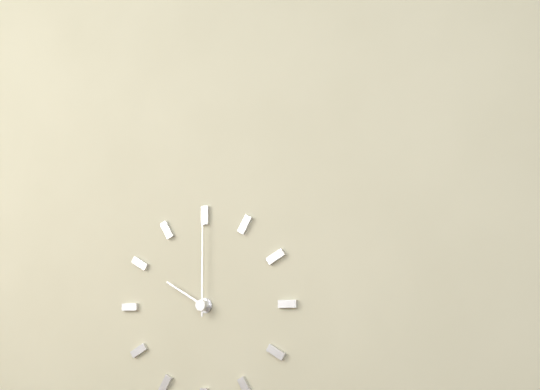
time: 10:00
